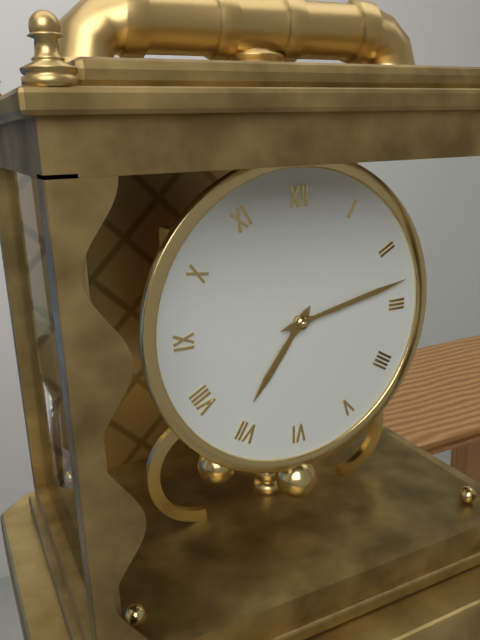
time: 7:13
